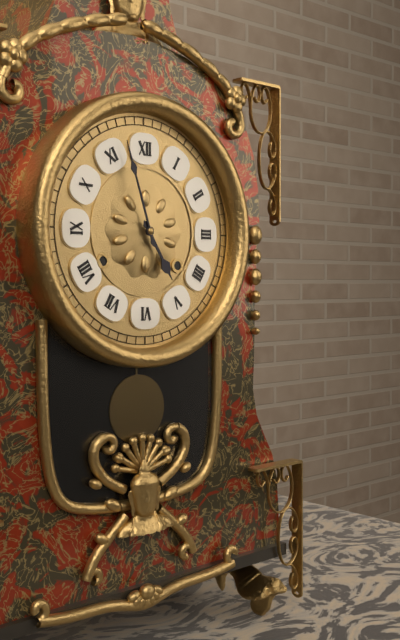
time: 4:57
